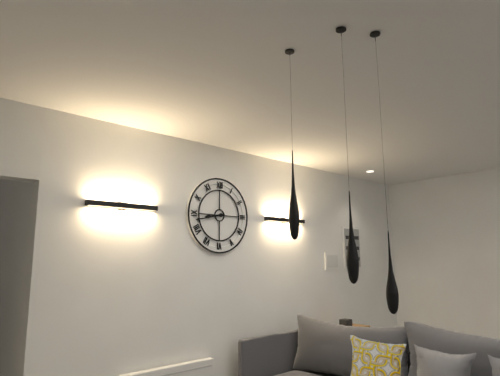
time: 8:43
